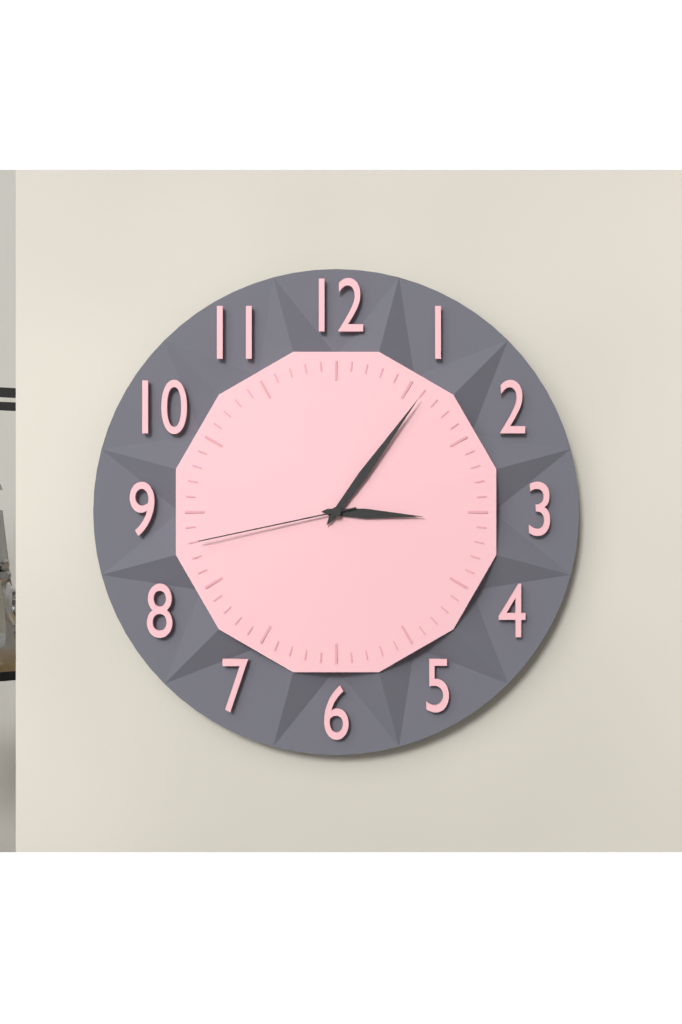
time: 3:06:43
